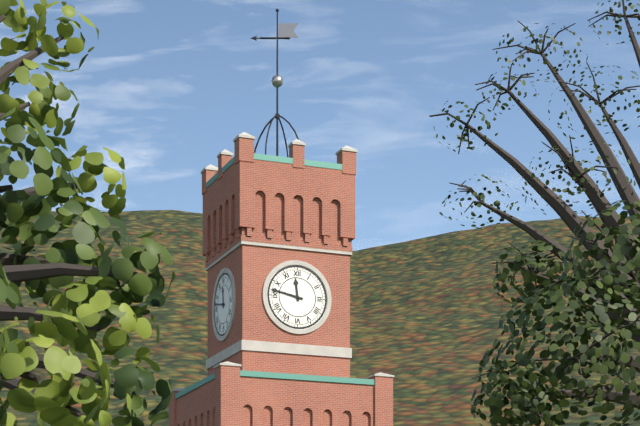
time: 11:47
